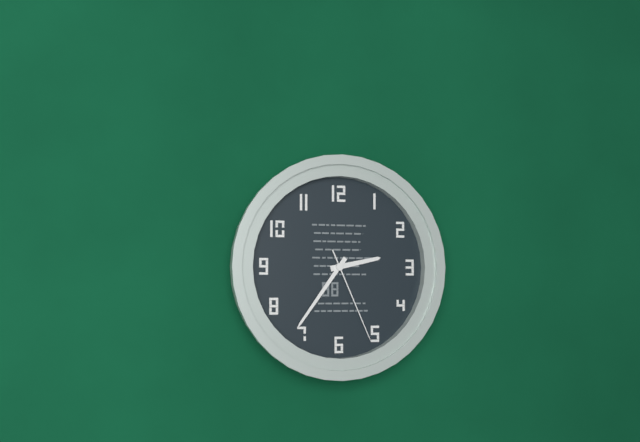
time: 2:36:26
